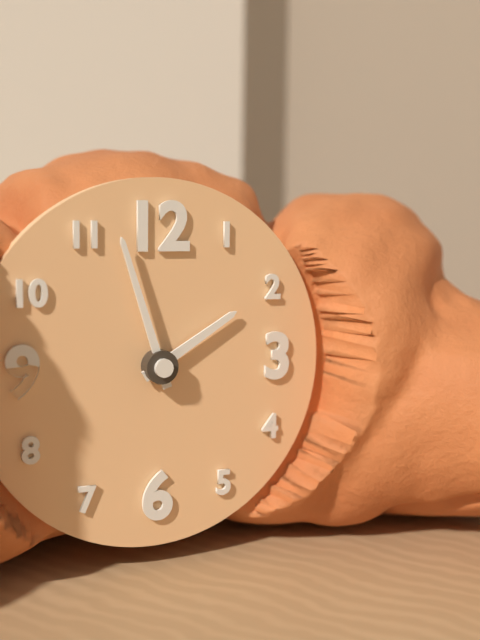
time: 1:57
